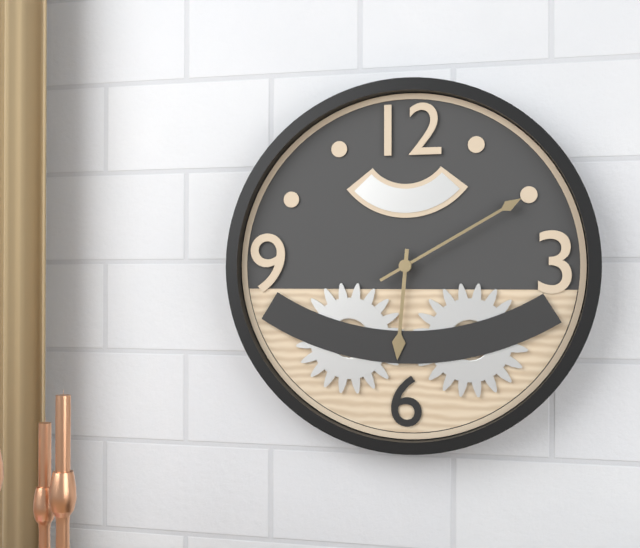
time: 6:10
